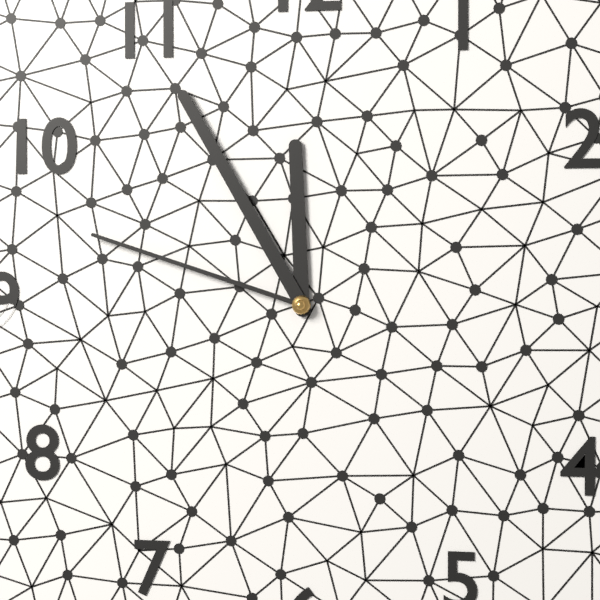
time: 11:55:48
